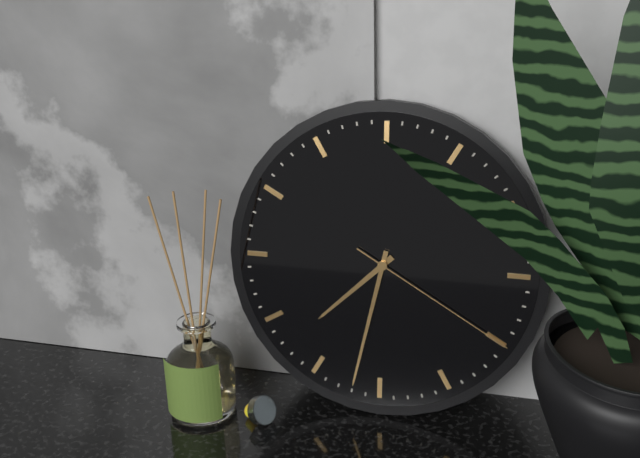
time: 7:32:20
